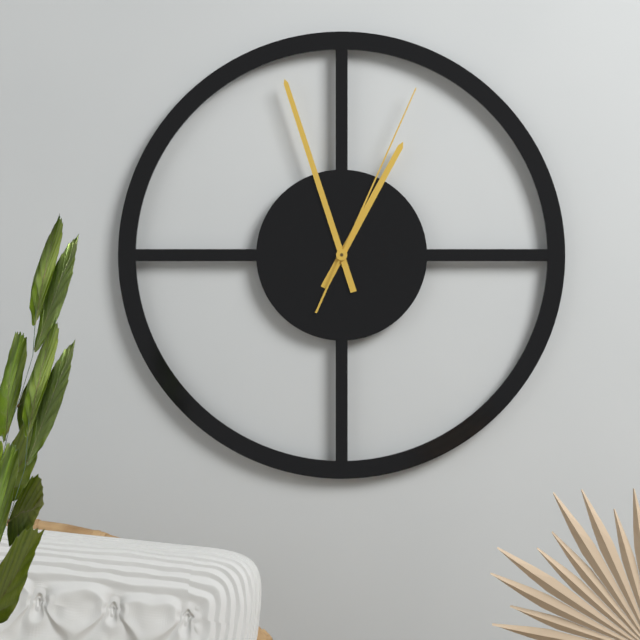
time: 12:57:04
